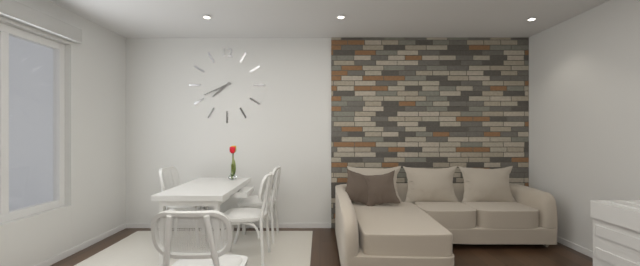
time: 7:41
